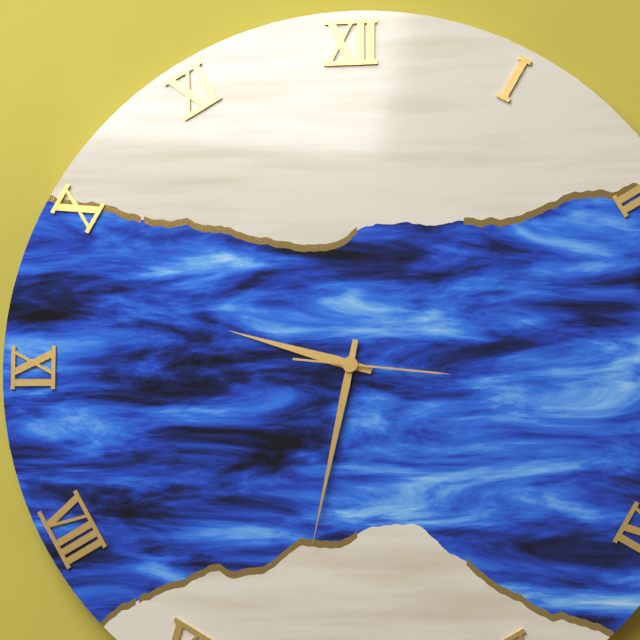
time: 9:32:16
